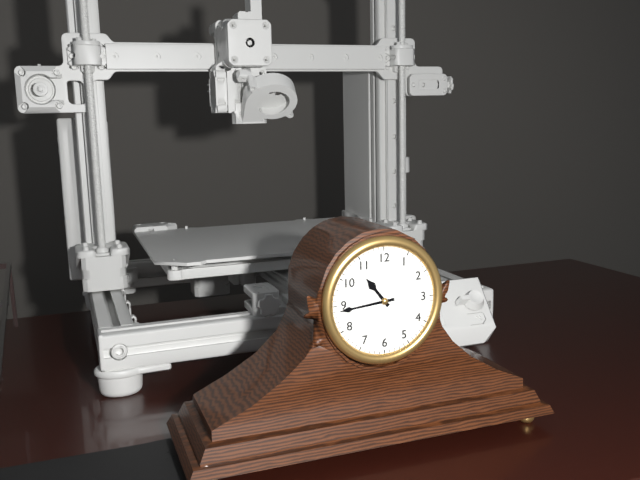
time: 10:44
